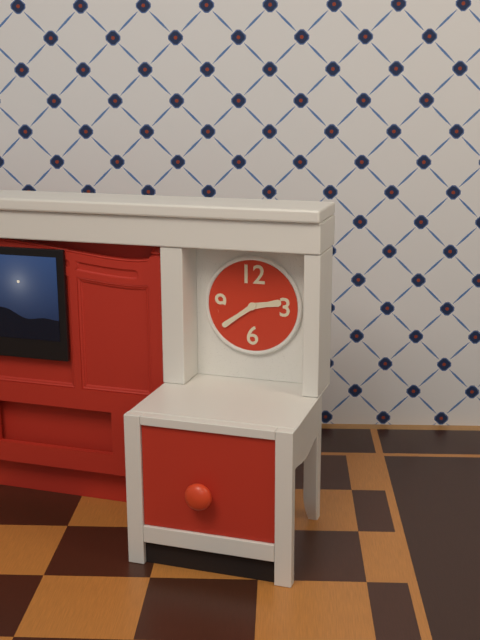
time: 2:39
